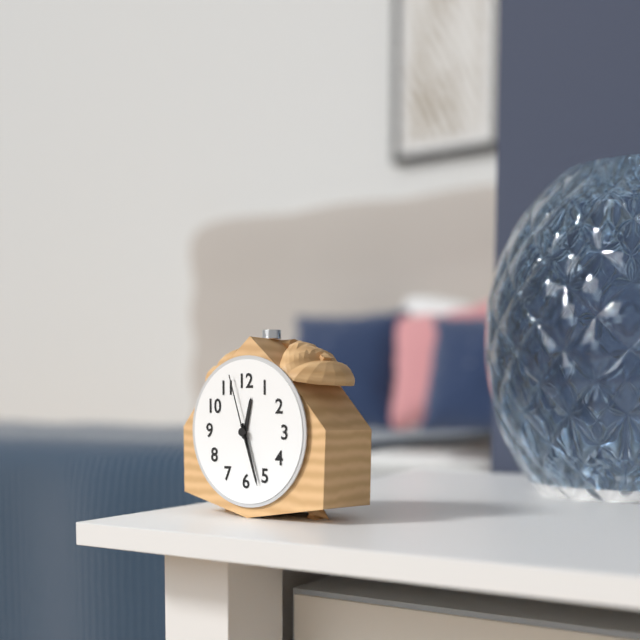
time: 12:27:57
